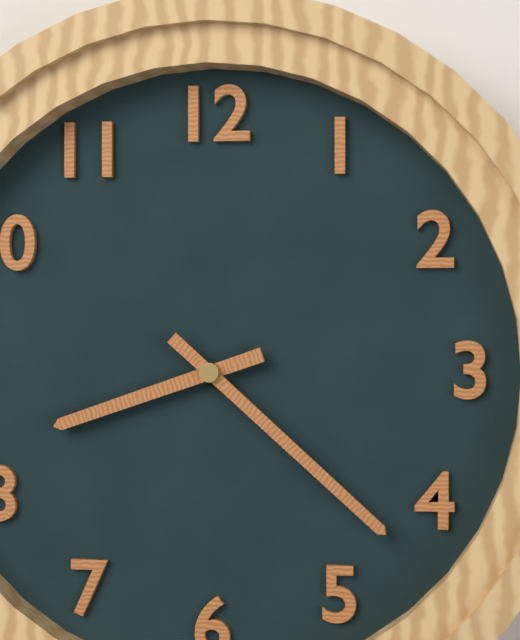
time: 8:22
